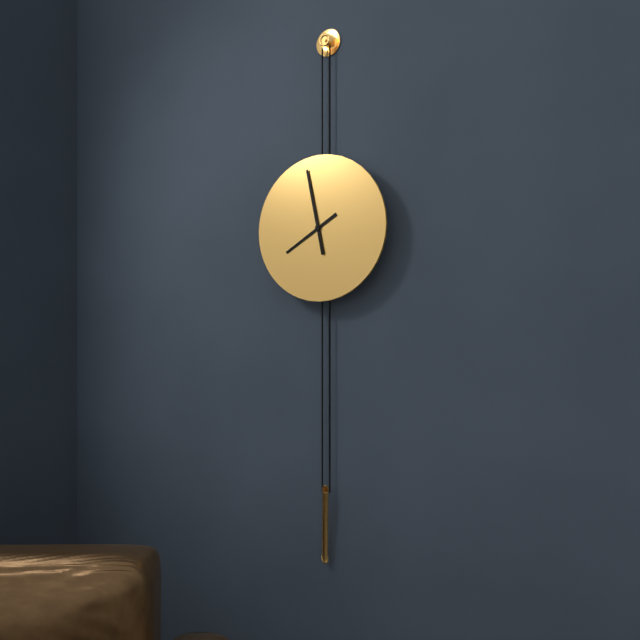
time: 7:58
